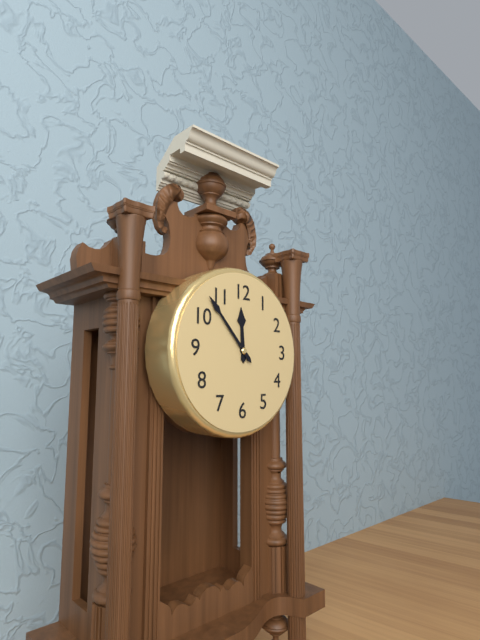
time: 11:53
